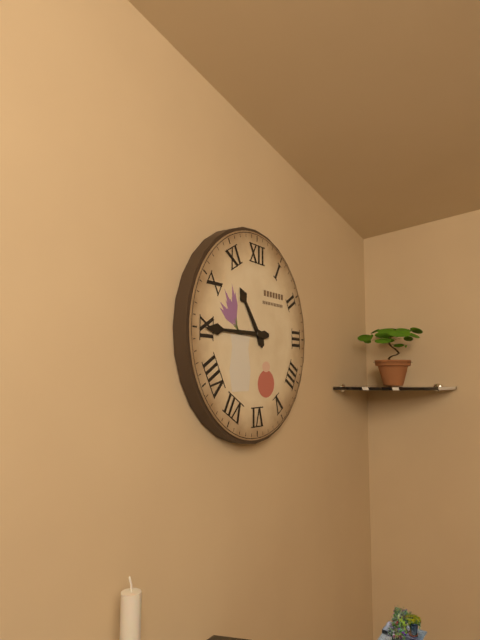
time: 10:45
